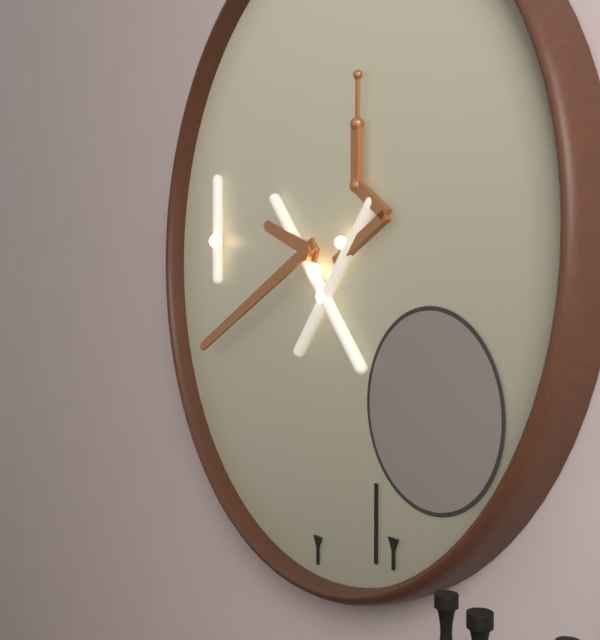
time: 9:41
